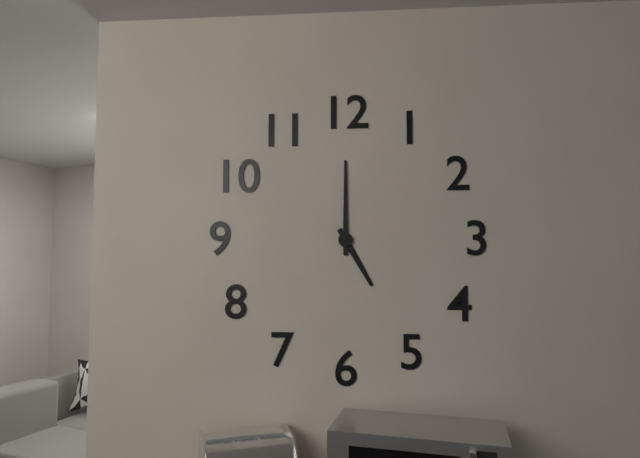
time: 5:00
